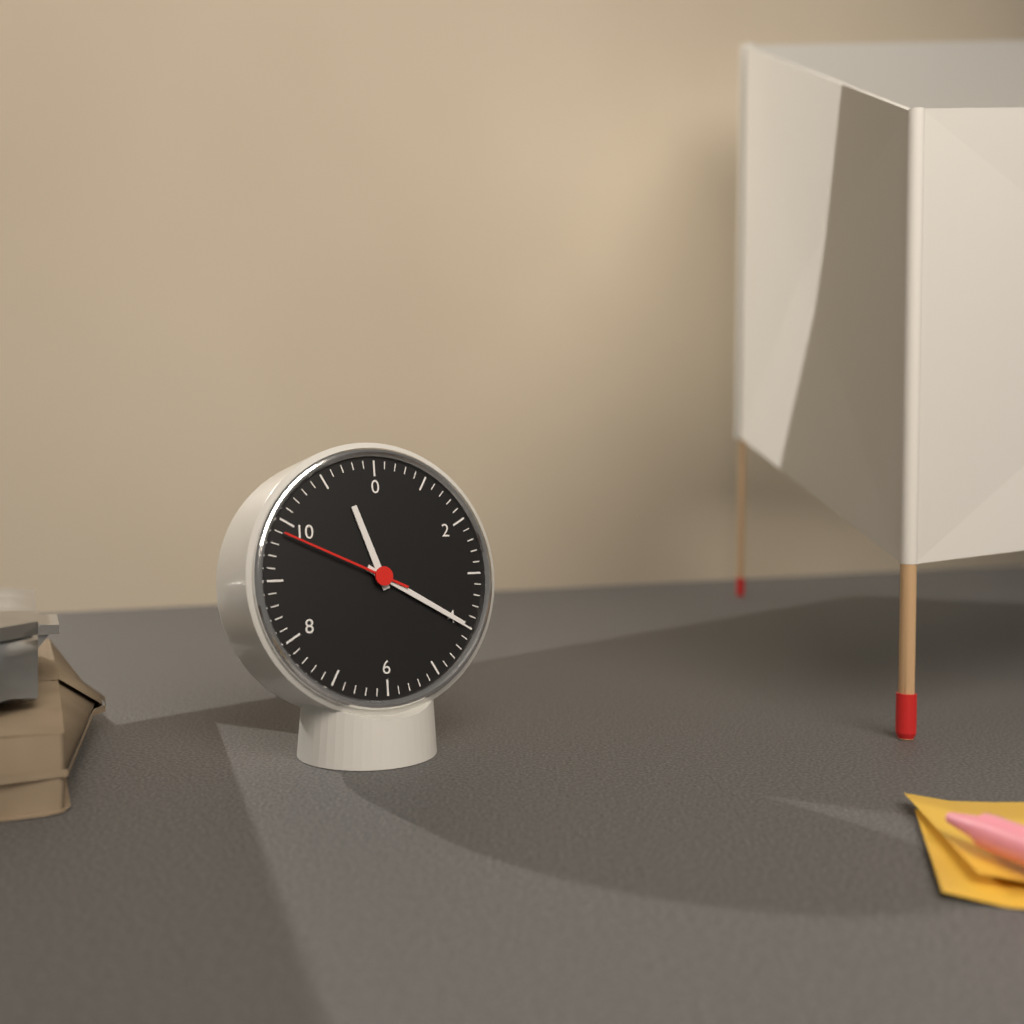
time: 11:20:49
